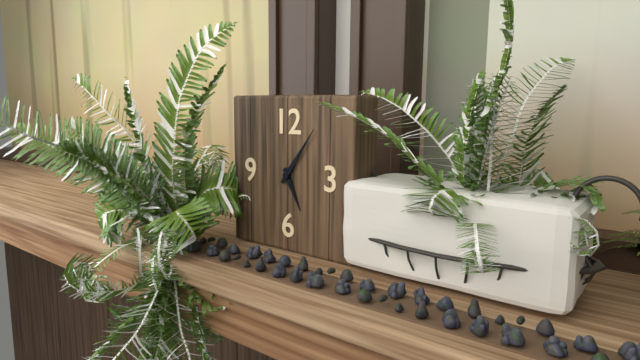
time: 5:06
